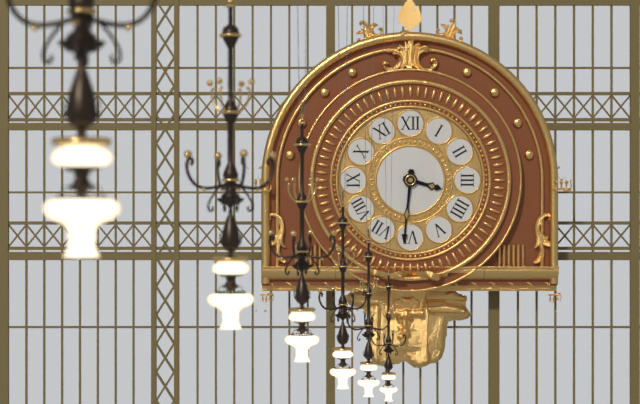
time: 3:31
